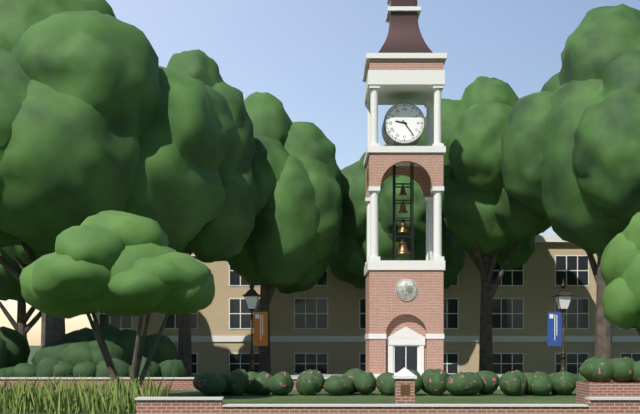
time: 9:24
